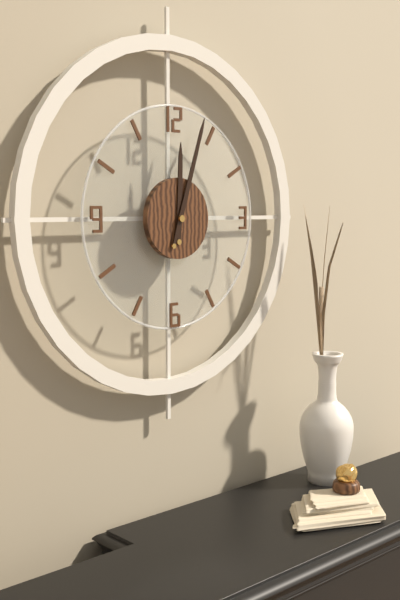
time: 12:03
